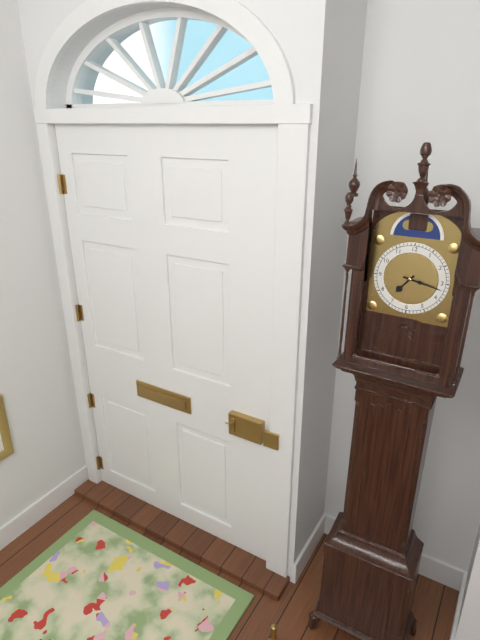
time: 7:17
